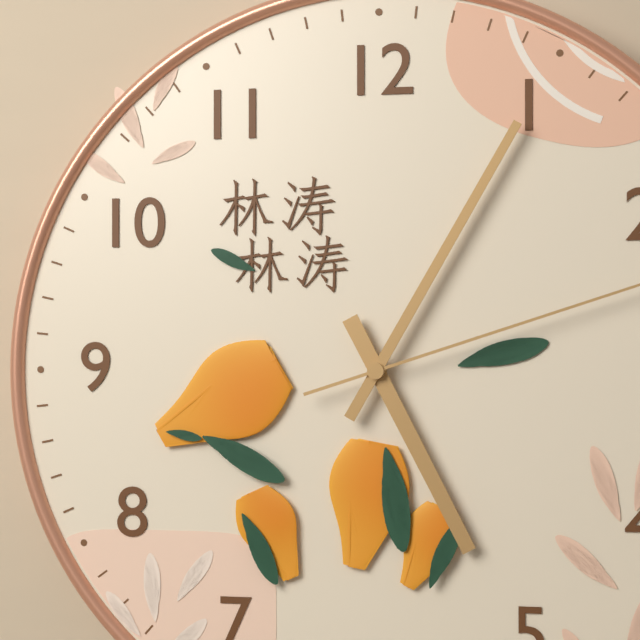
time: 5:05
